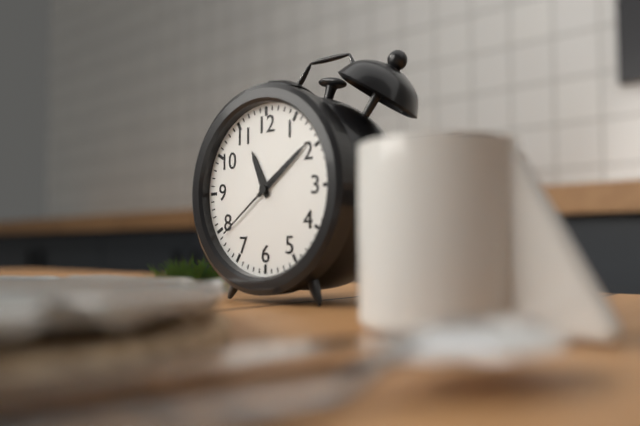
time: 11:09:39
